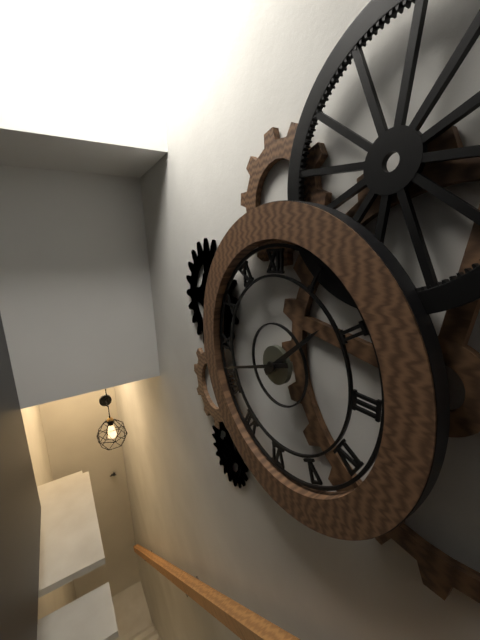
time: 1:42
